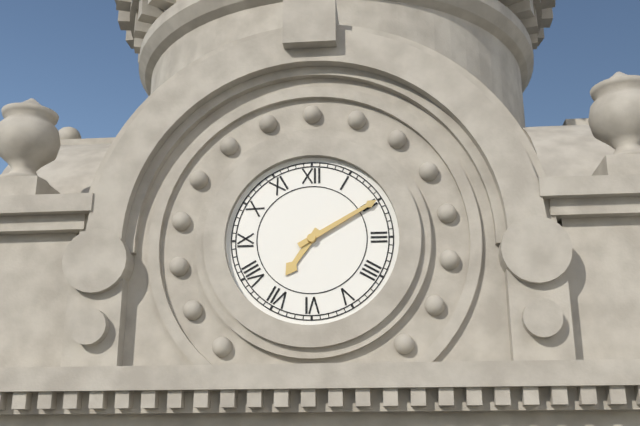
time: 7:10
